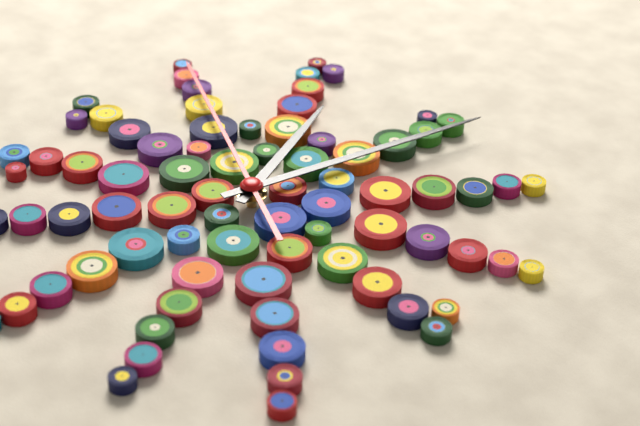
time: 11:01:48
